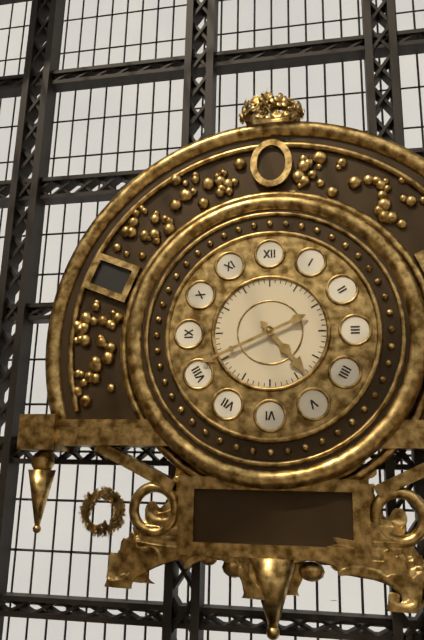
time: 4:41
